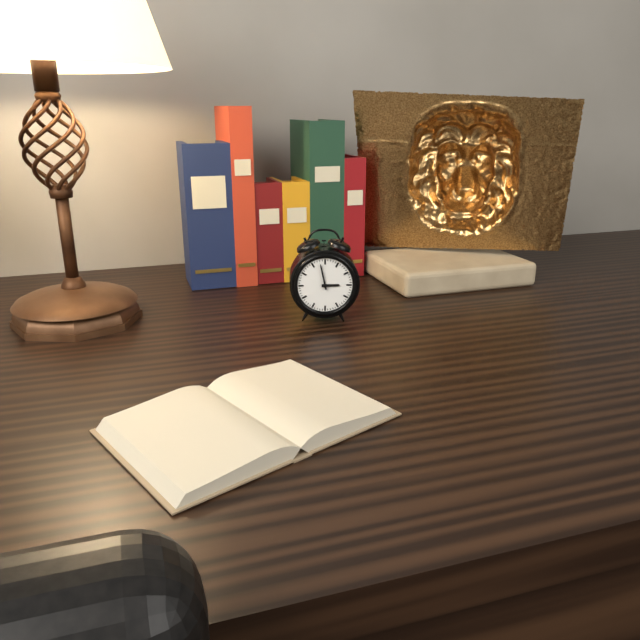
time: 2:58
